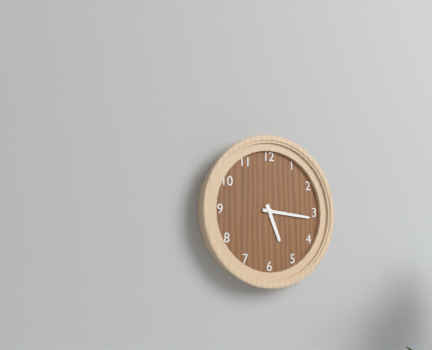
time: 5:16
